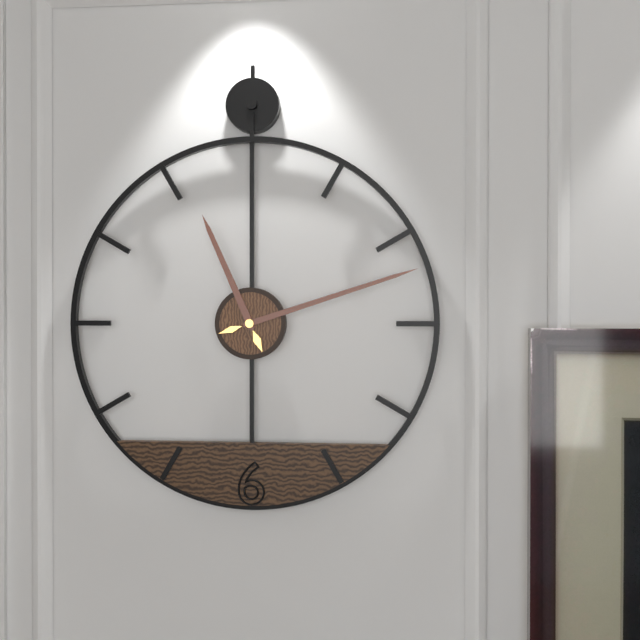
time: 11:12
